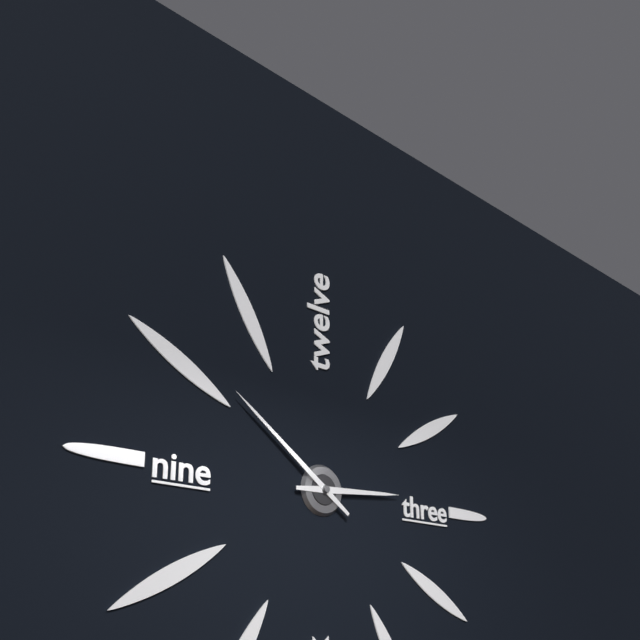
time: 2:51
